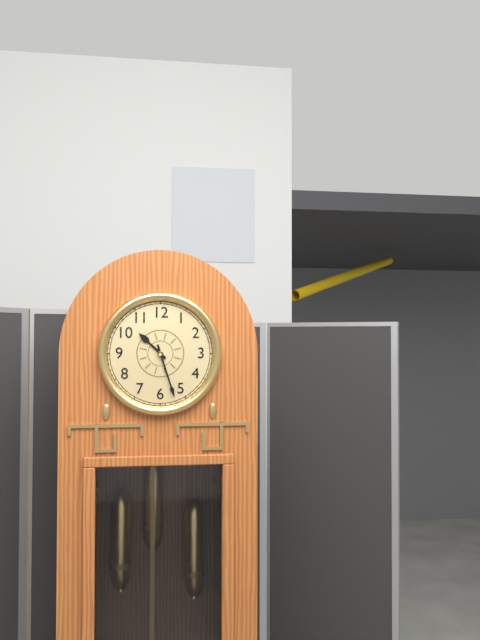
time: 10:27
